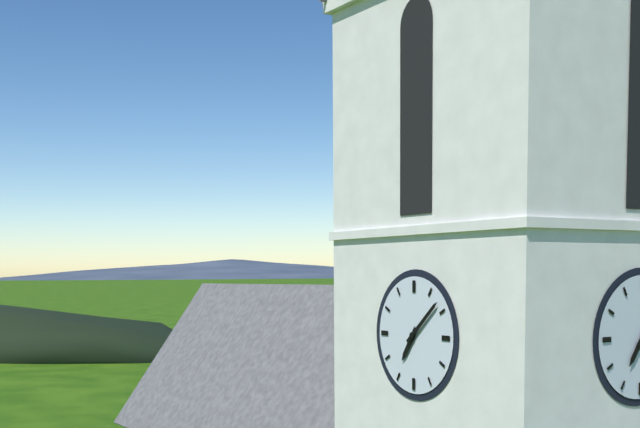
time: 7:08
